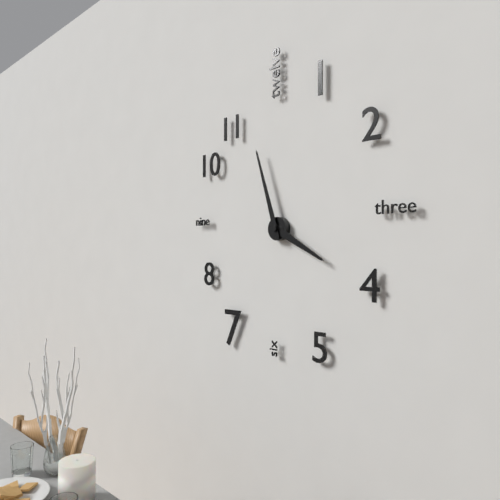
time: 3:57
